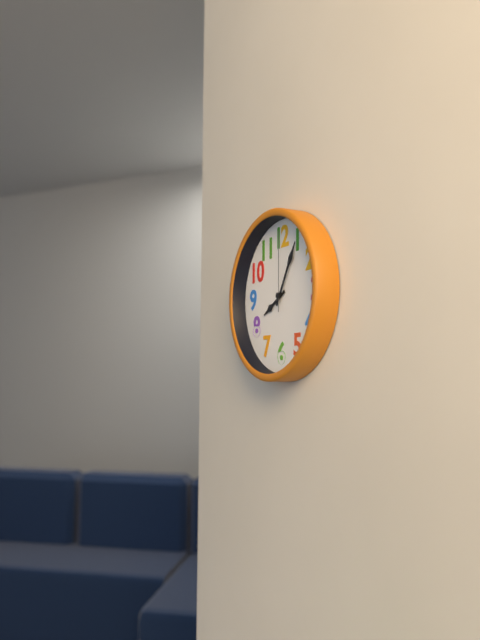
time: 8:05:00
